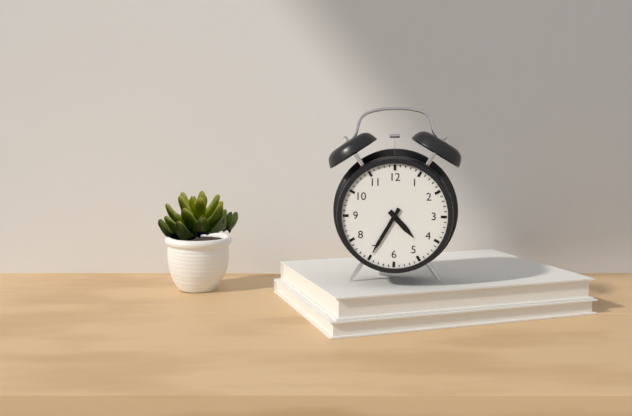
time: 4:35
